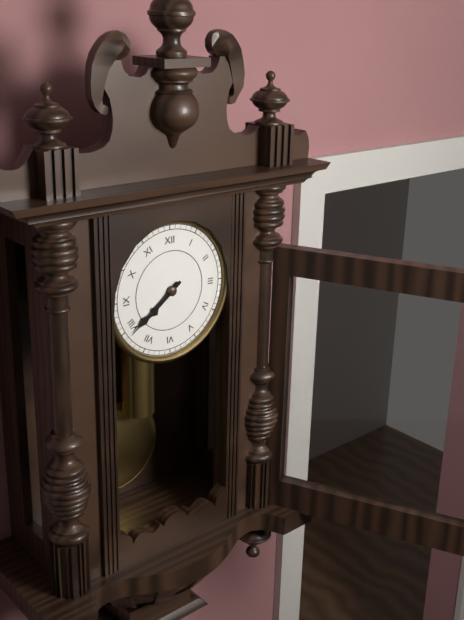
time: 7:39
